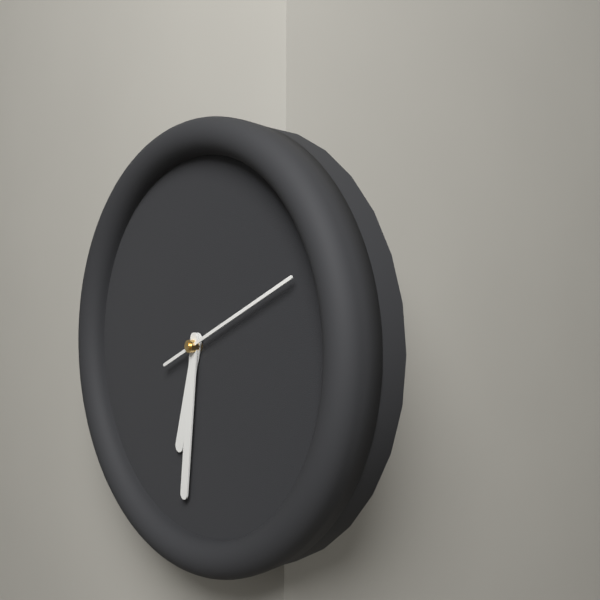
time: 6:31:11
